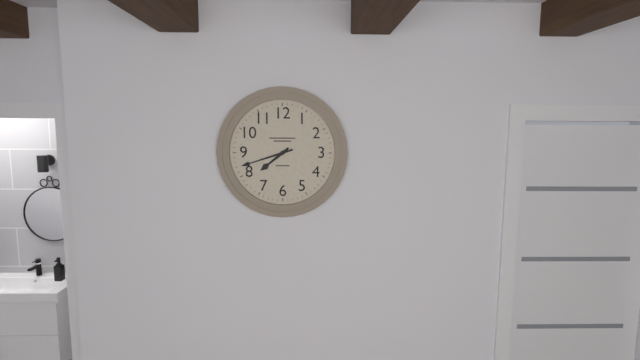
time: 7:42
